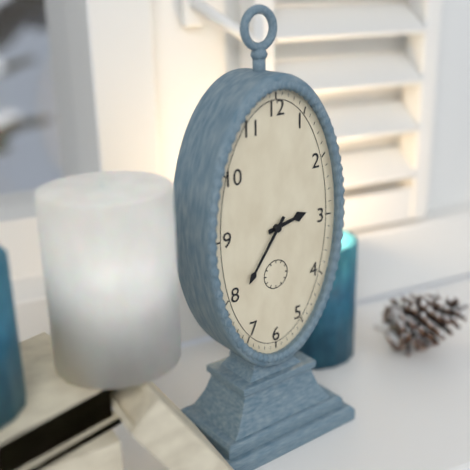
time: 2:36
